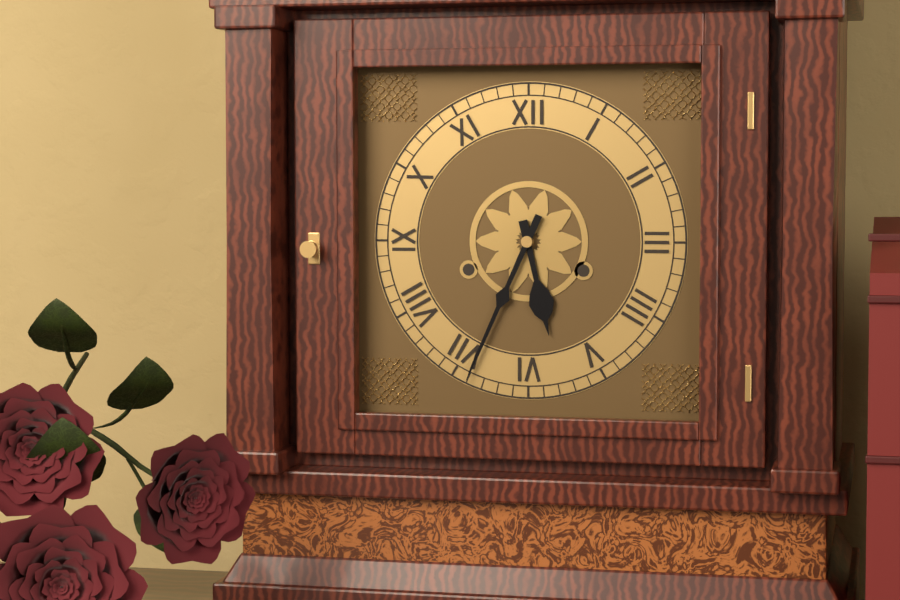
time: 5:34
